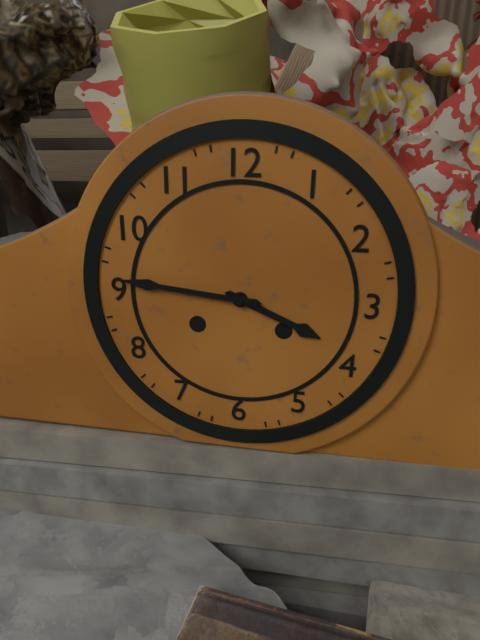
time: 3:46
